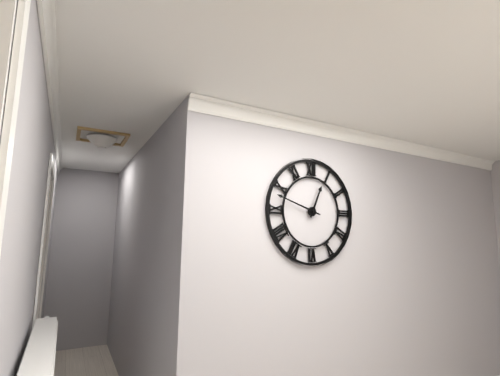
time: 12:48
